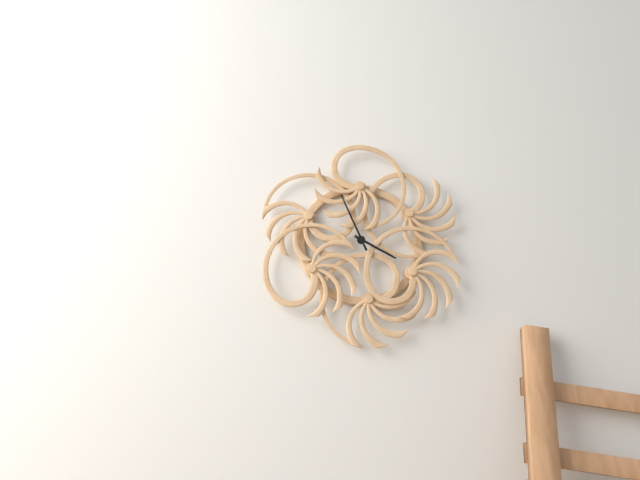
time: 3:56
